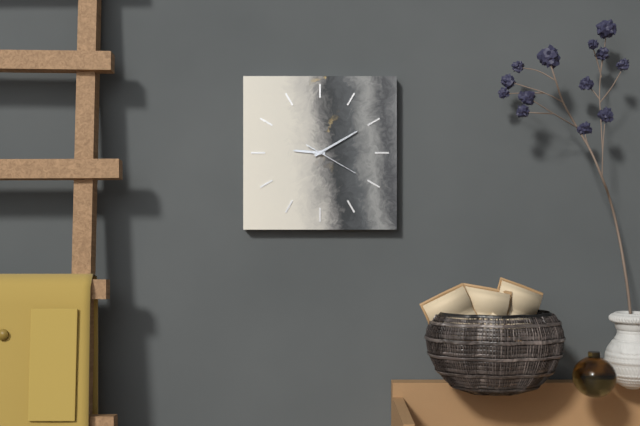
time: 9:10:20
